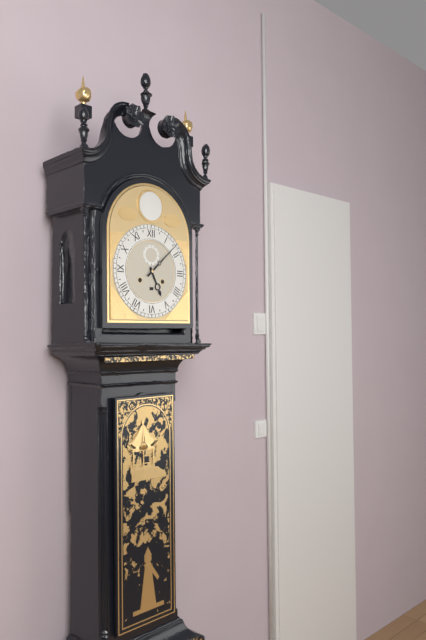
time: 5:08
